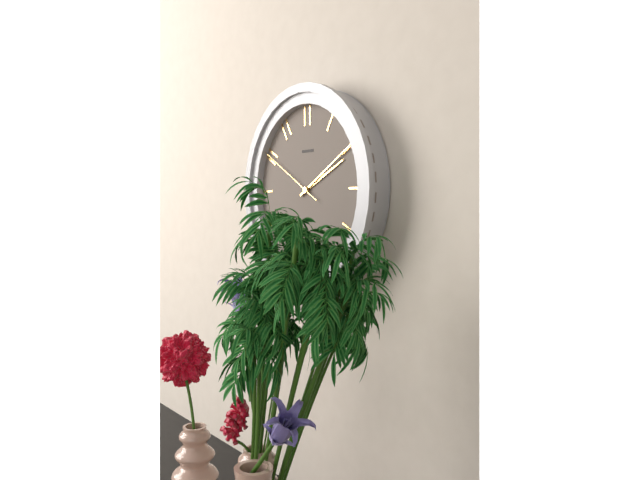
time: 2:10:50
